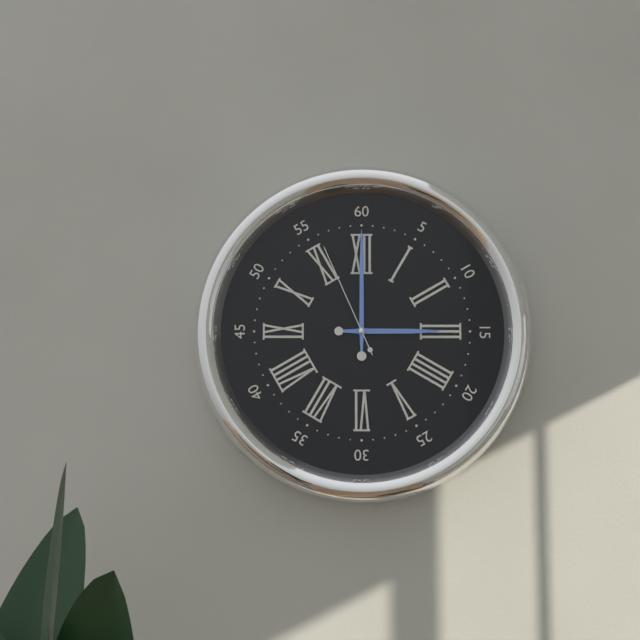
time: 3:00:56
